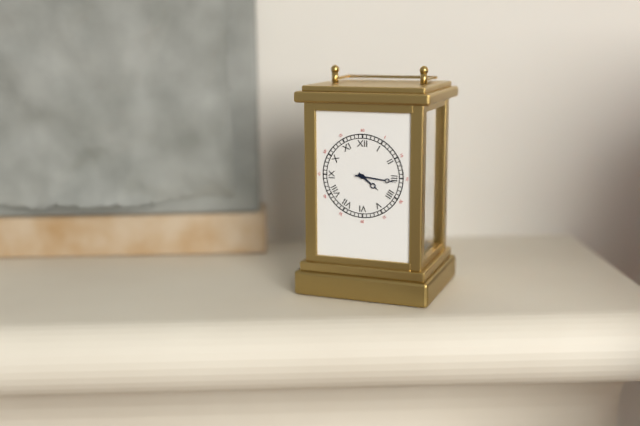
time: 4:16
